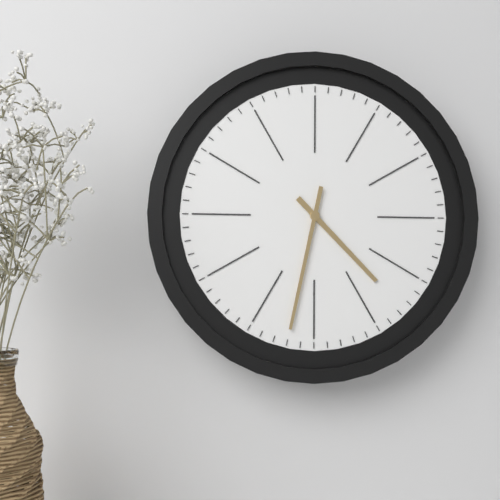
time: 4:32
